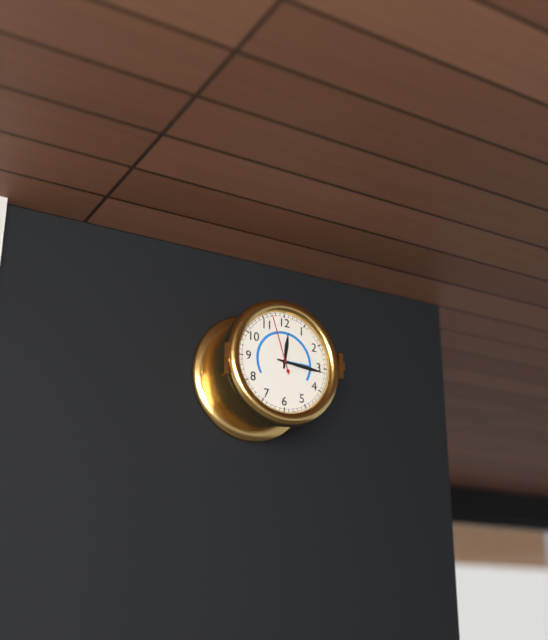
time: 12:16:57
